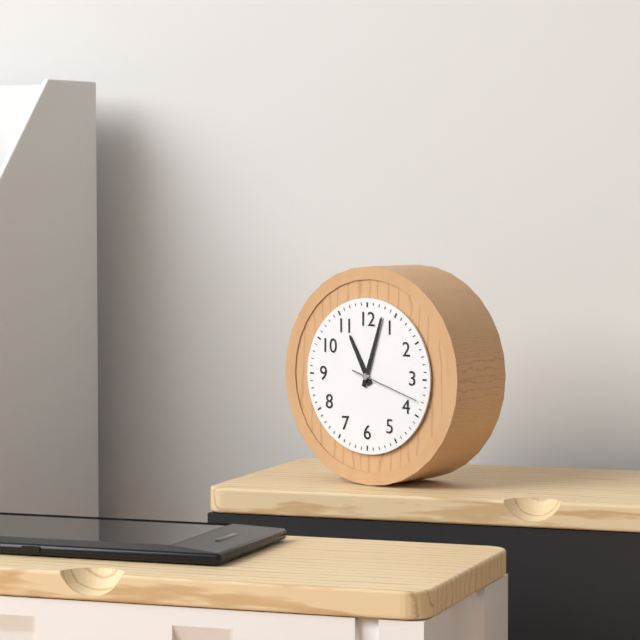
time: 11:03:18
